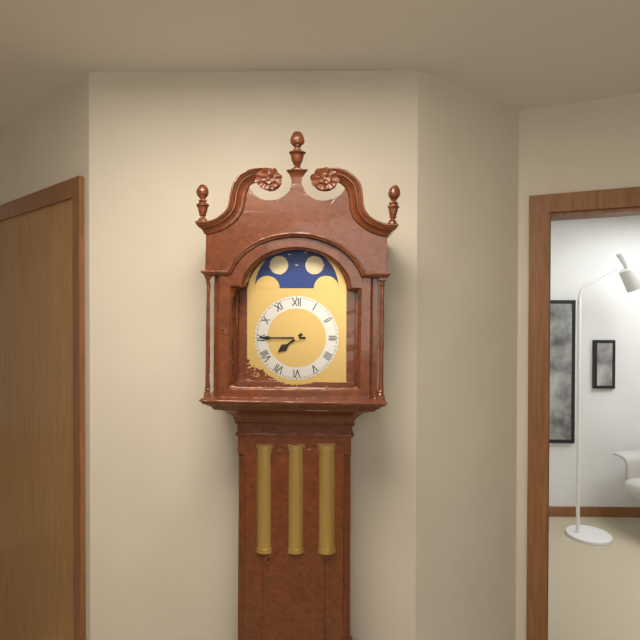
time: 7:45
